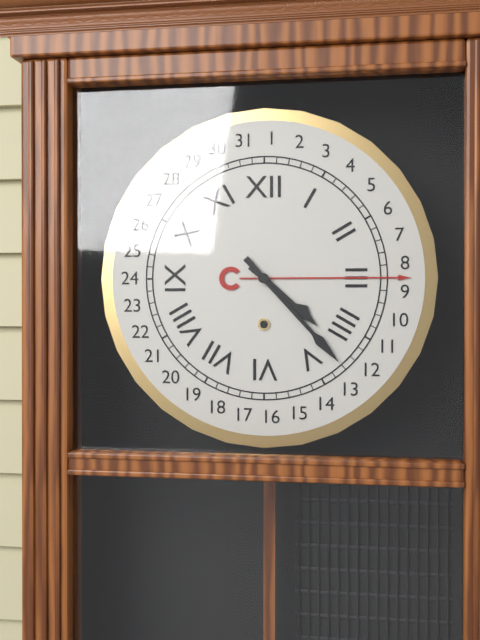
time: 4:23
